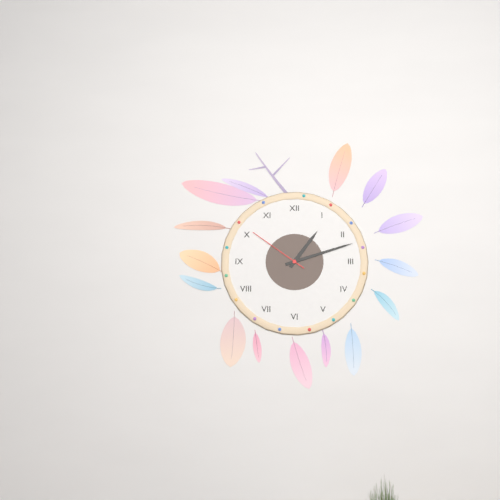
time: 1:12:51
